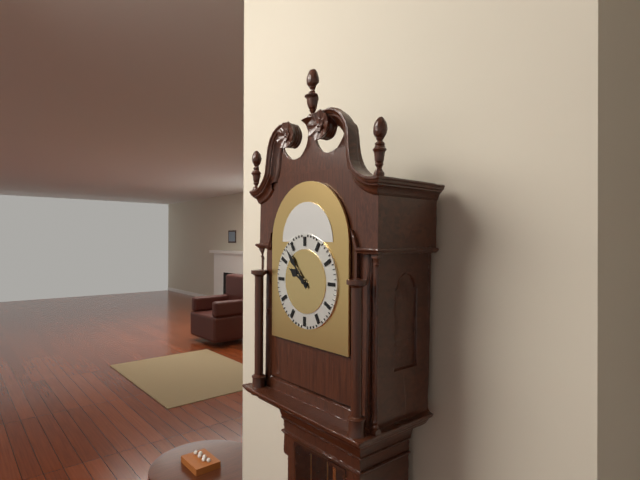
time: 9:53
